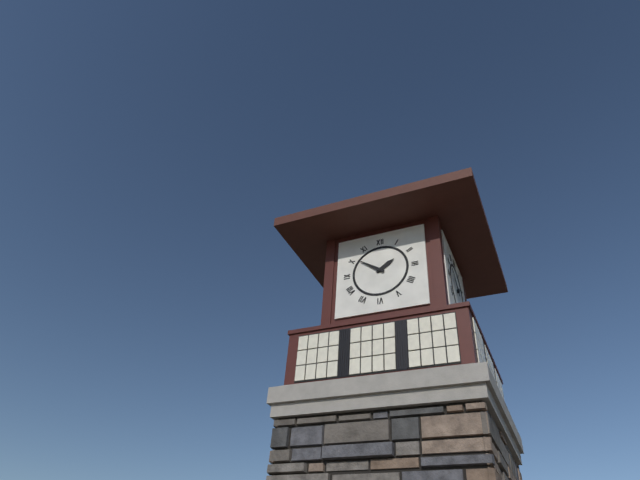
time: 1:51
